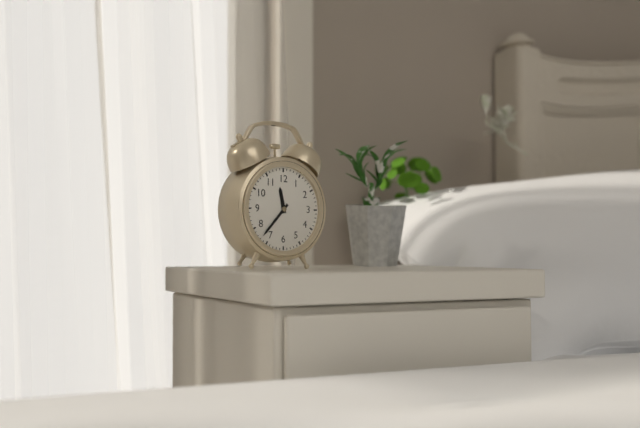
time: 11:37
